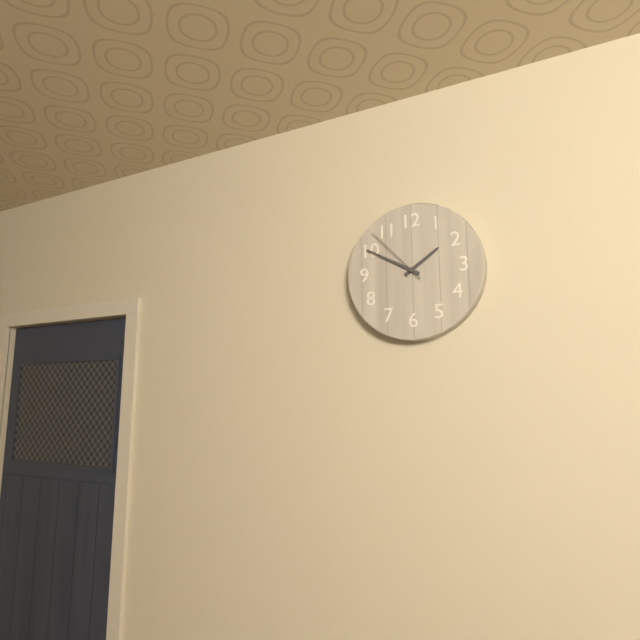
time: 1:50:53
